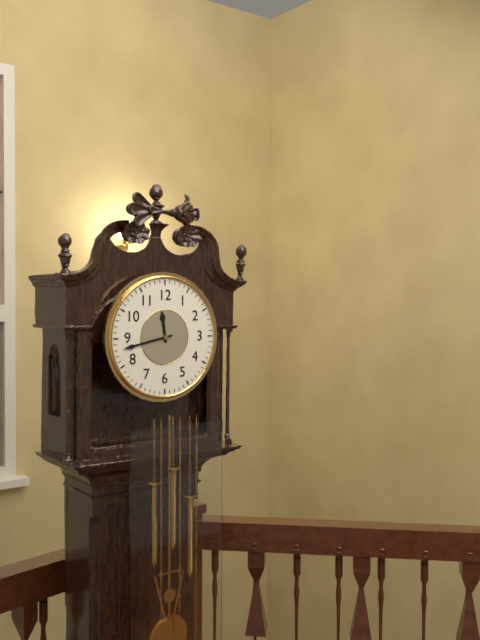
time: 11:43
